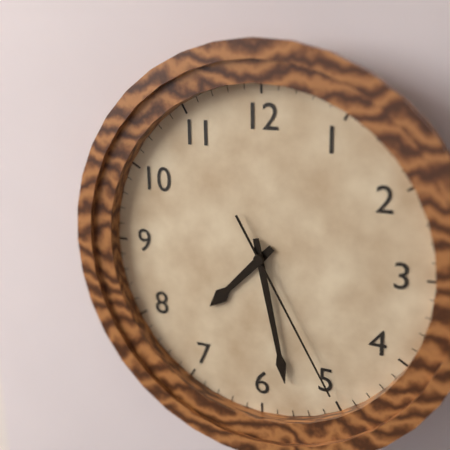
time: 7:28:25
